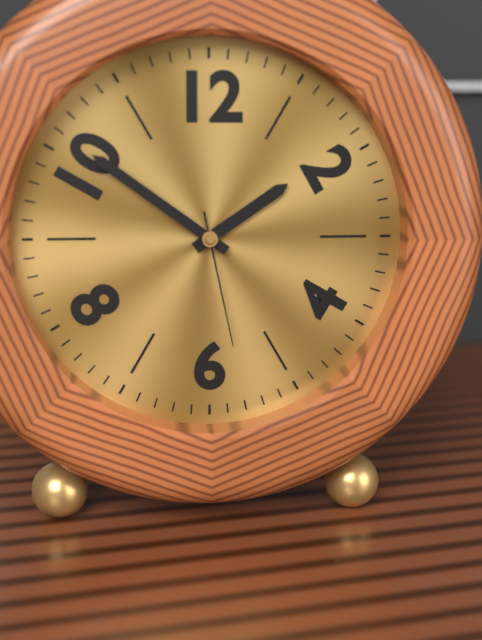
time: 1:51:28
